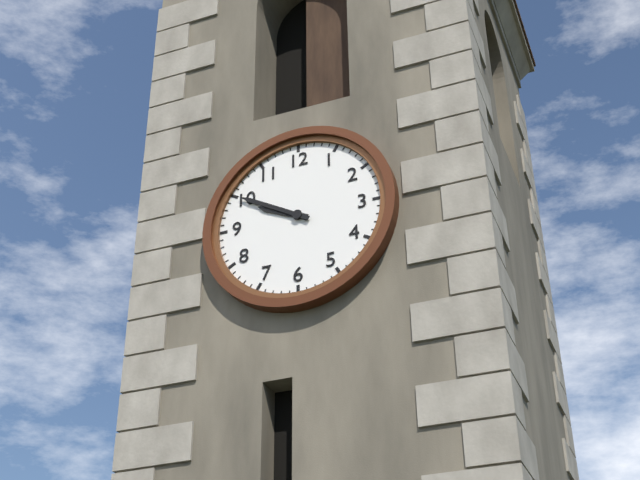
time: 9:50
